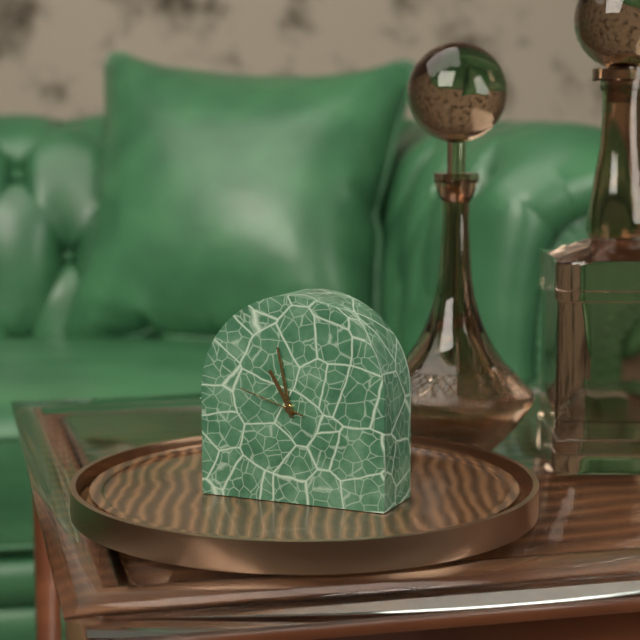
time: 10:58:48
